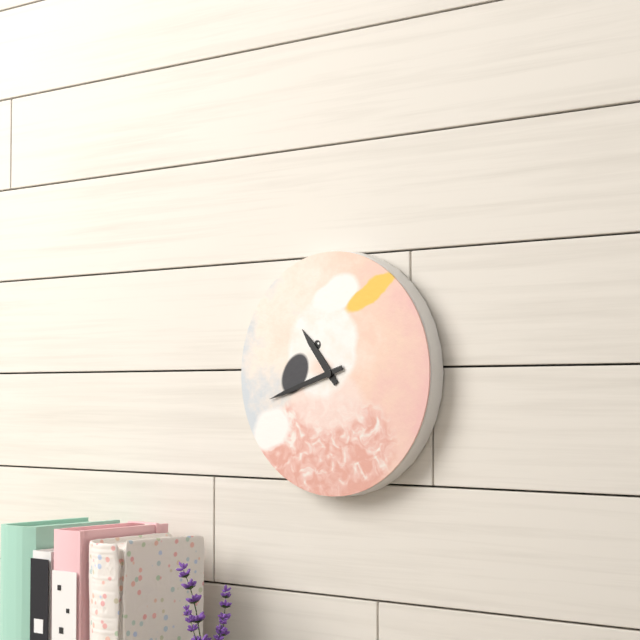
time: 10:42
